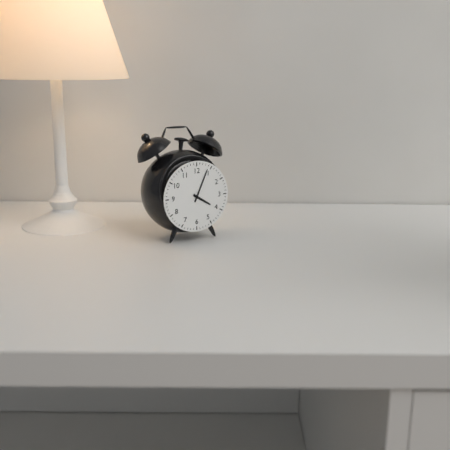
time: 4:04
